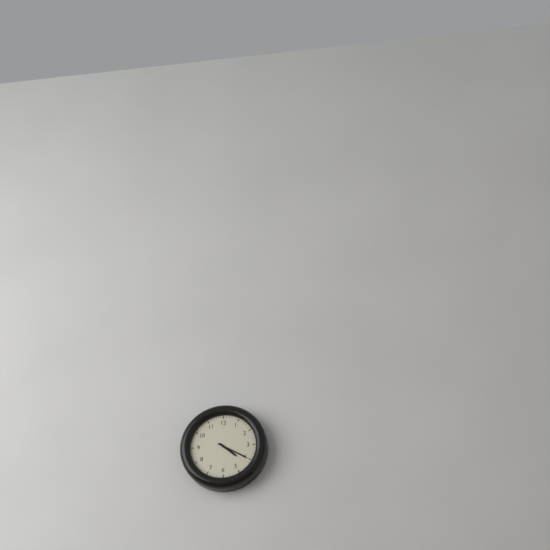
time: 4:20
